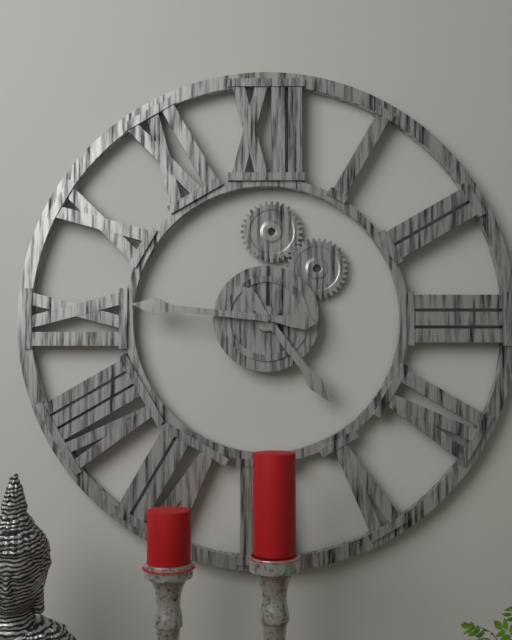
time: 4:46
